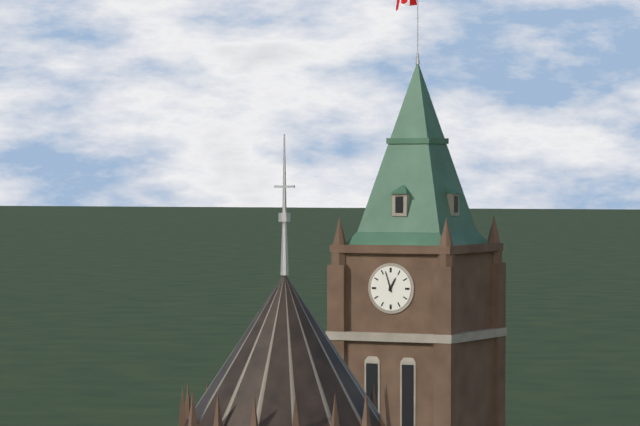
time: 12:57
